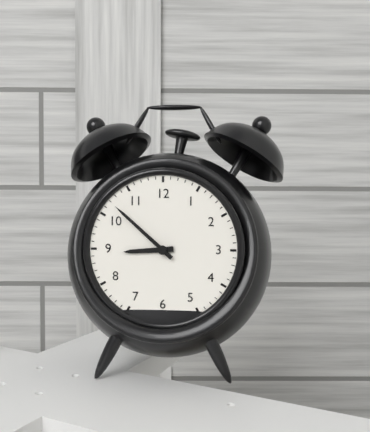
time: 8:52
